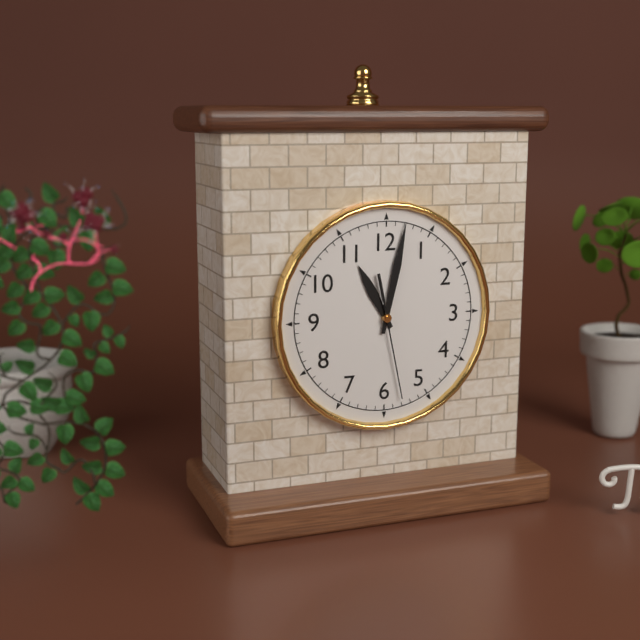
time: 11:02:28
